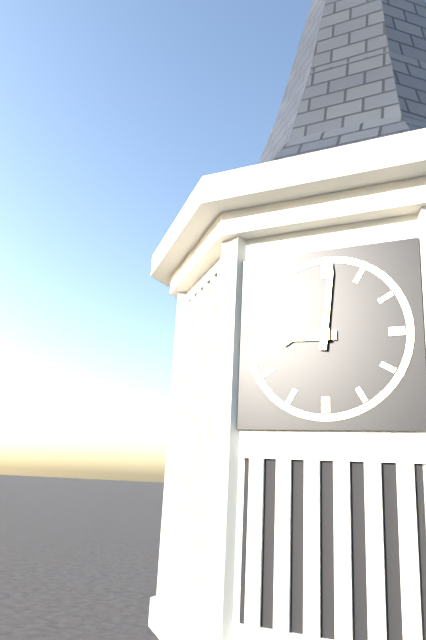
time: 9:01
